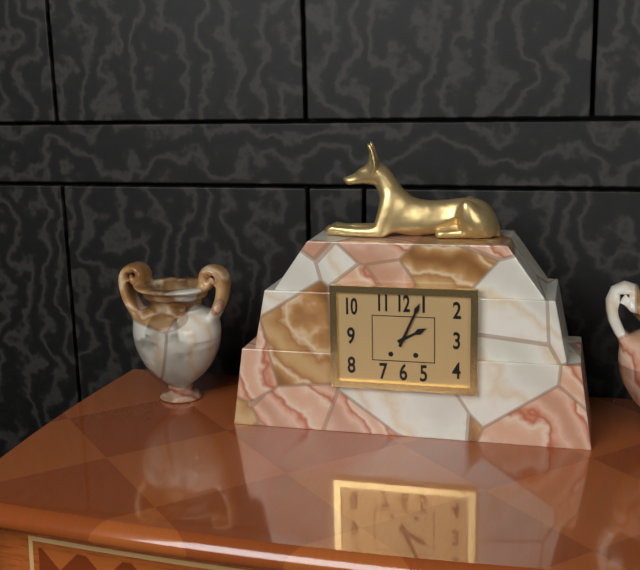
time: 2:04
